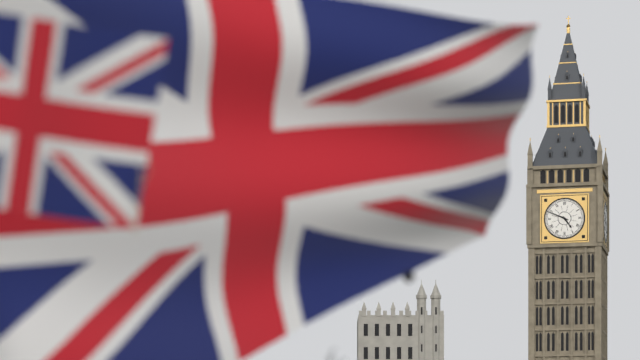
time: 4:49
